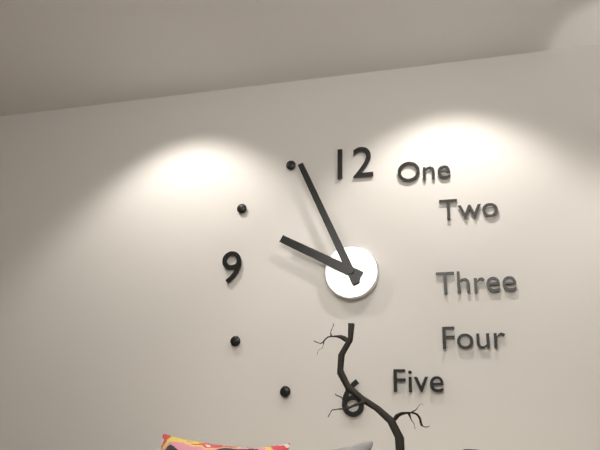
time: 9:56
